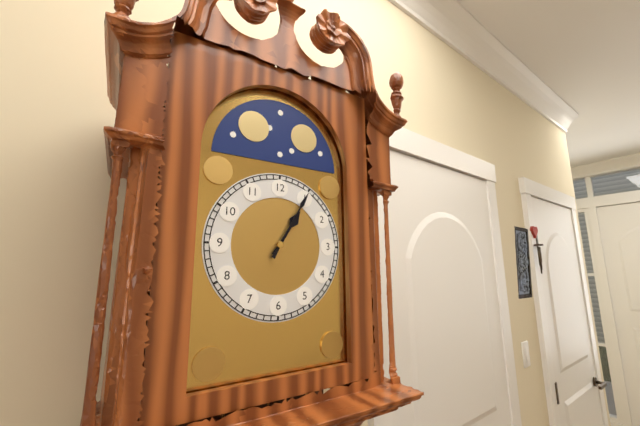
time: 1:05
